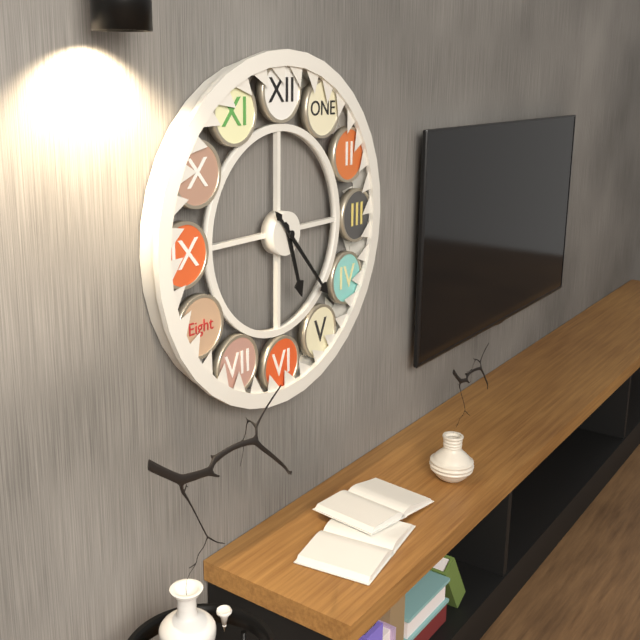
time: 5:23
